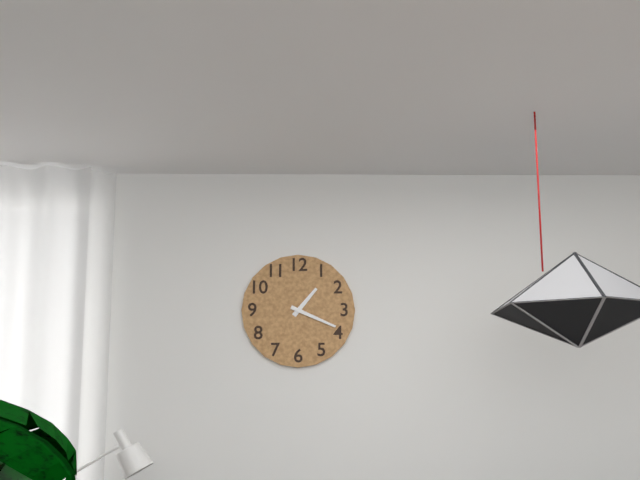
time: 1:19
